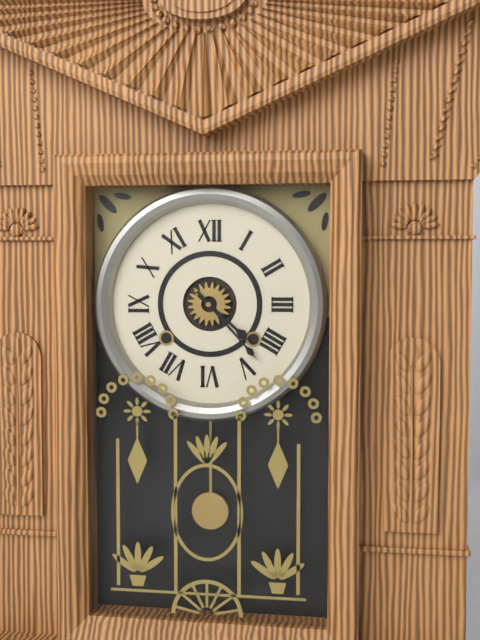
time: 4:23
